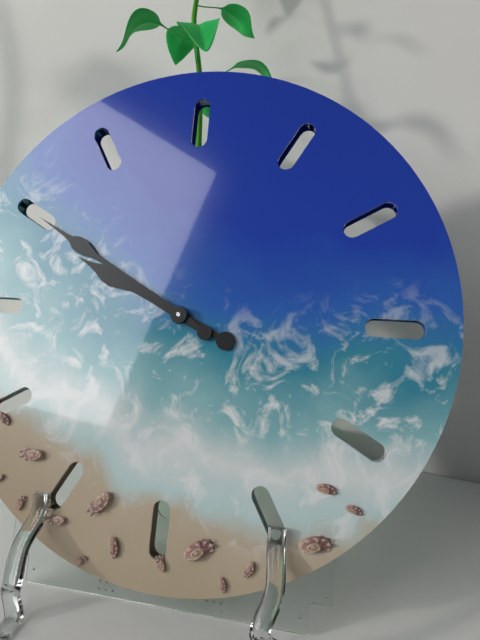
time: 9:50
